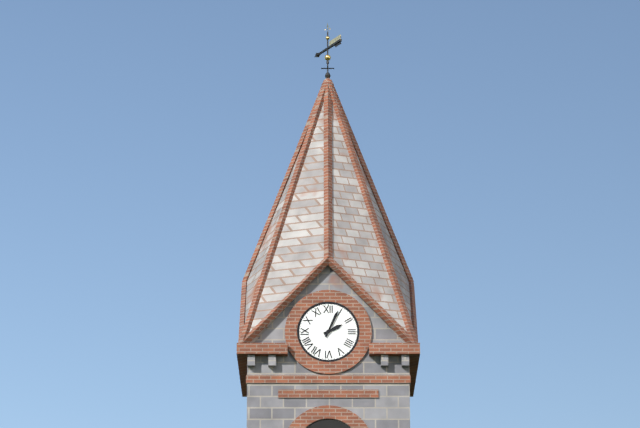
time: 2:04
